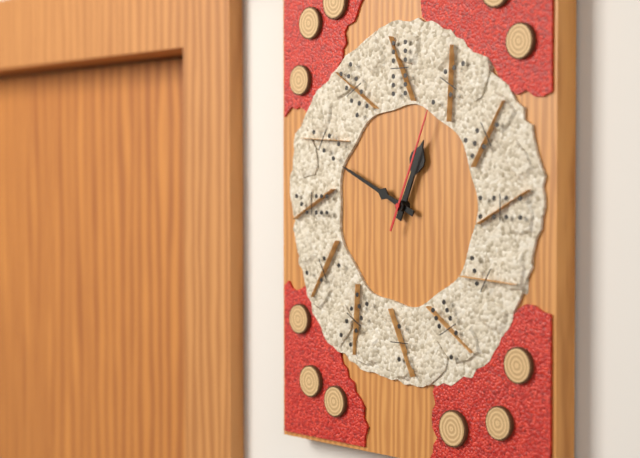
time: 12:49:04
